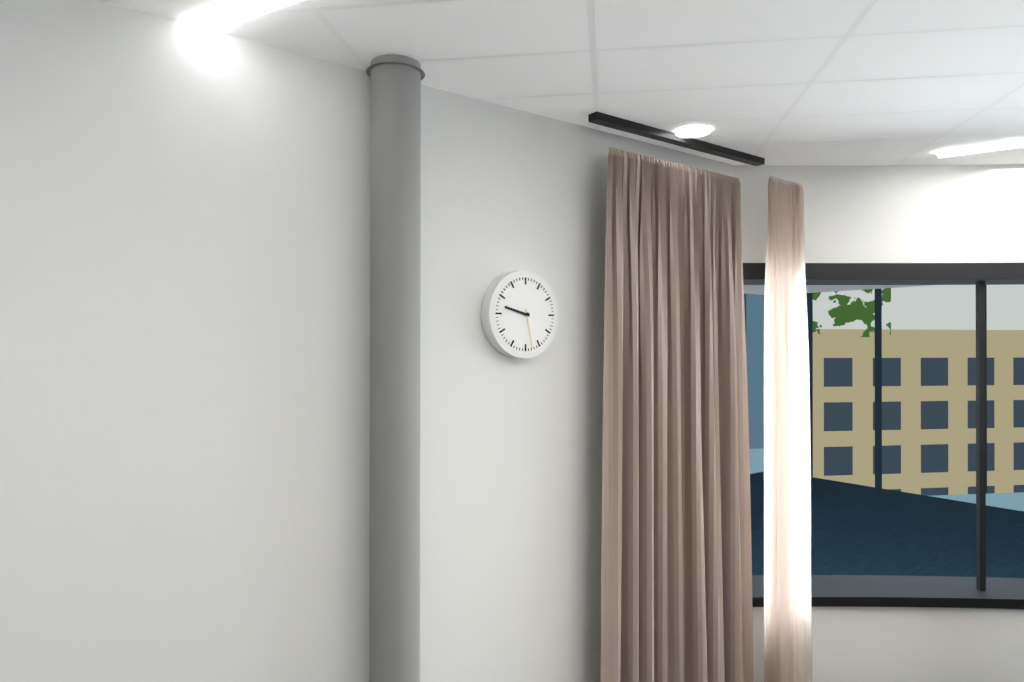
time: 9:28
